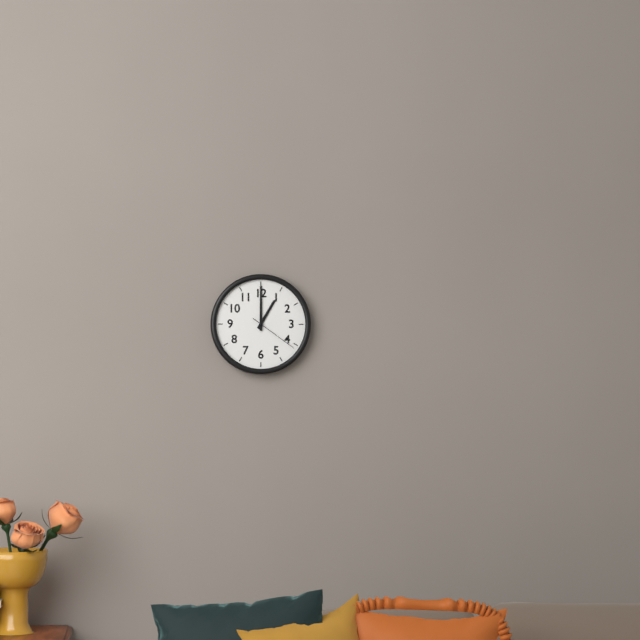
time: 1:00:21
